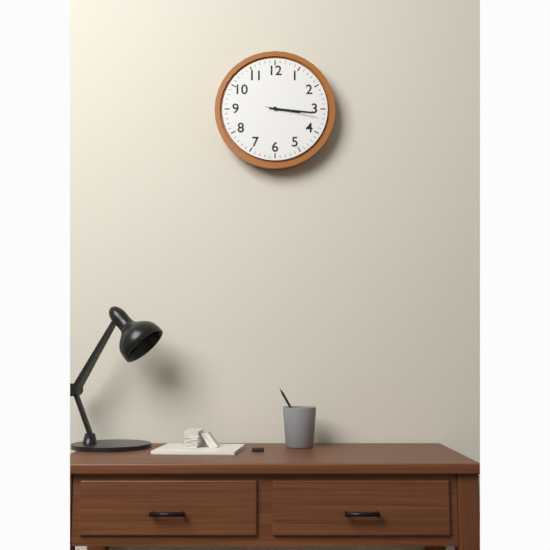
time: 3:16:17
